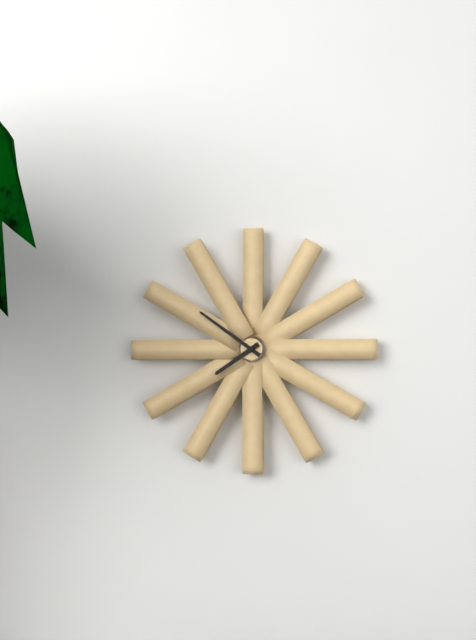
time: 7:51
